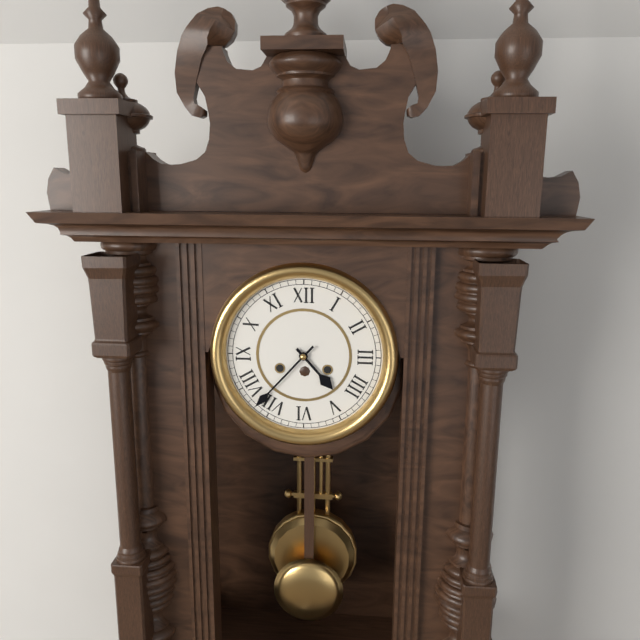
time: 4:37
